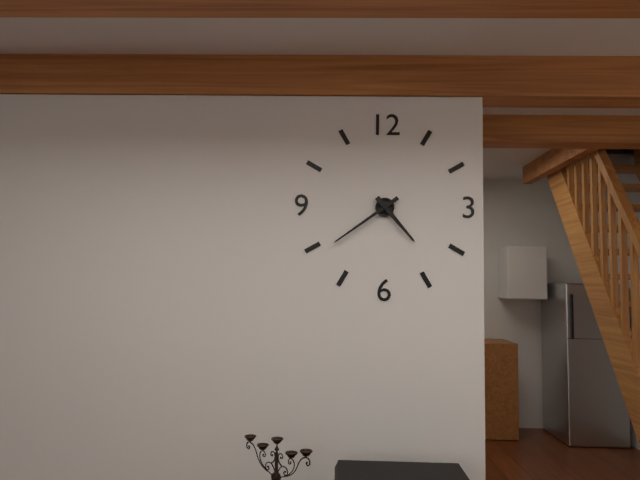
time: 4:39
